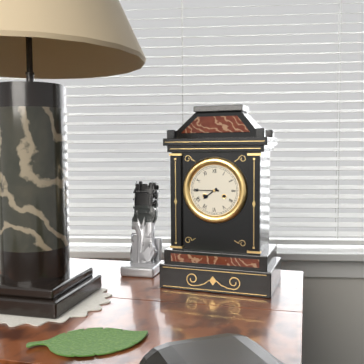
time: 7:45
